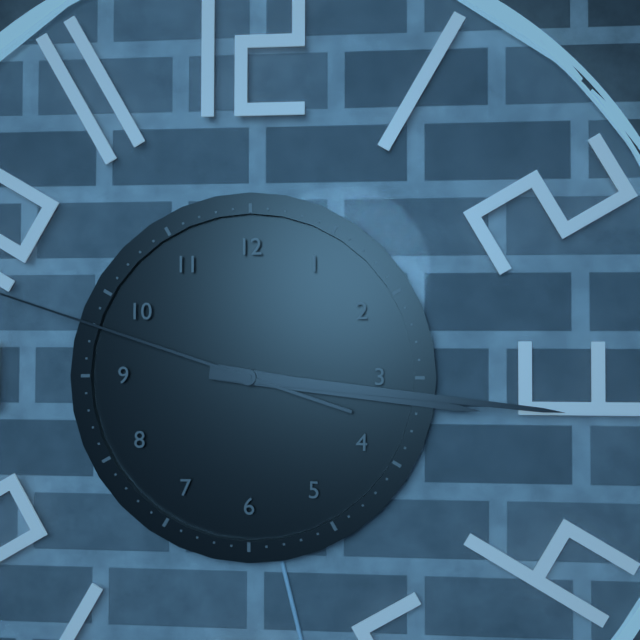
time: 3:16
